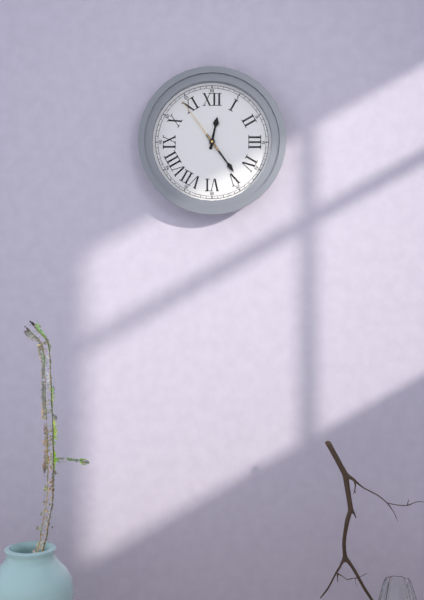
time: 12:24:54
